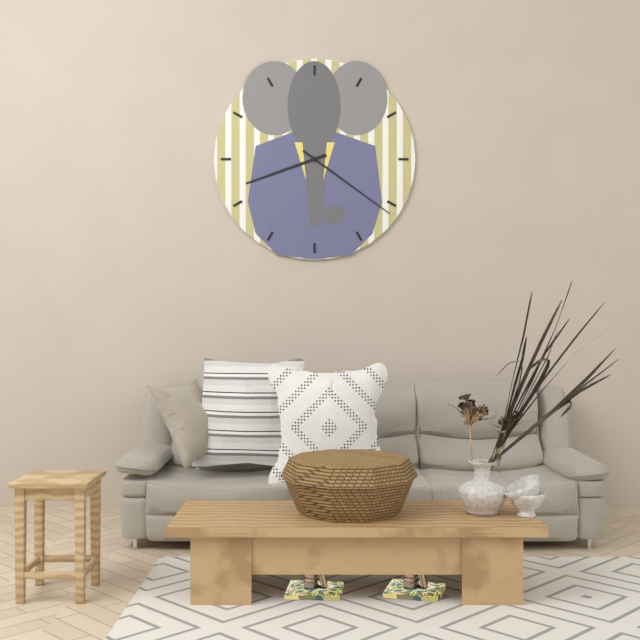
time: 8:21
